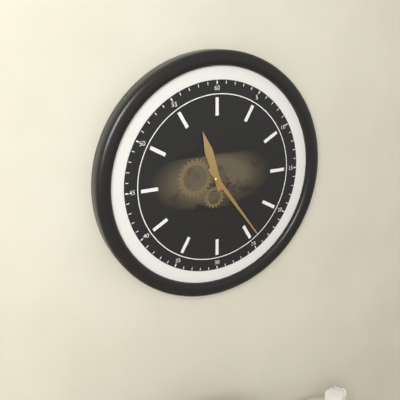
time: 11:24
